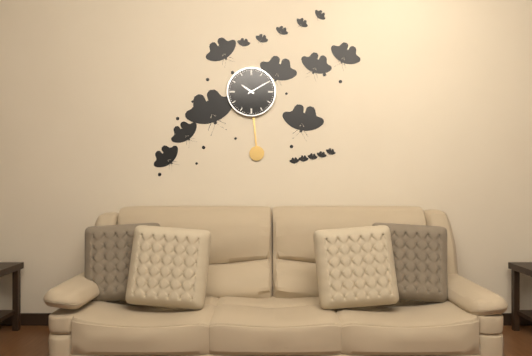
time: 10:10
